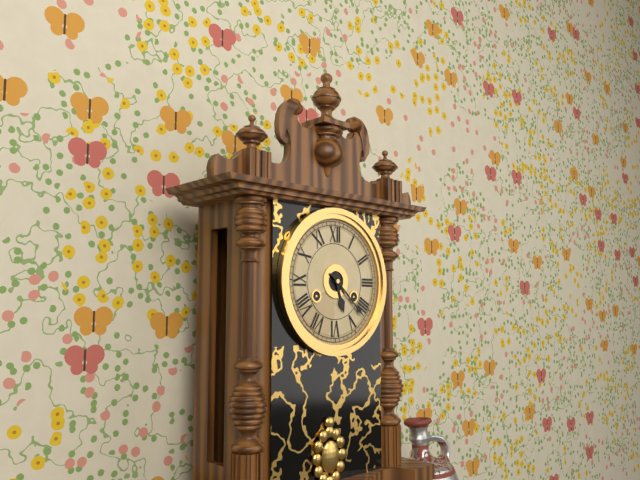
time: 5:22
